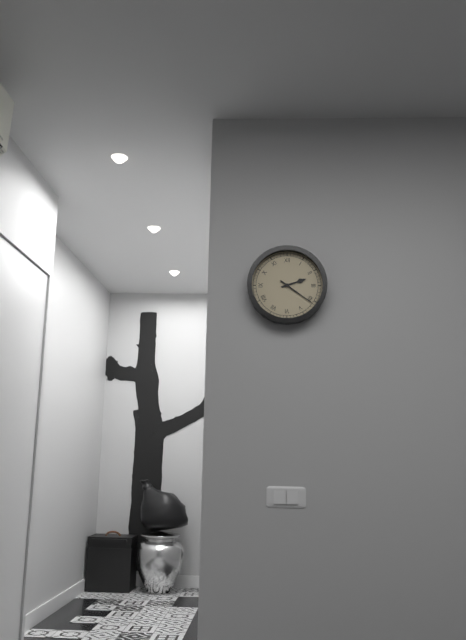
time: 2:21
